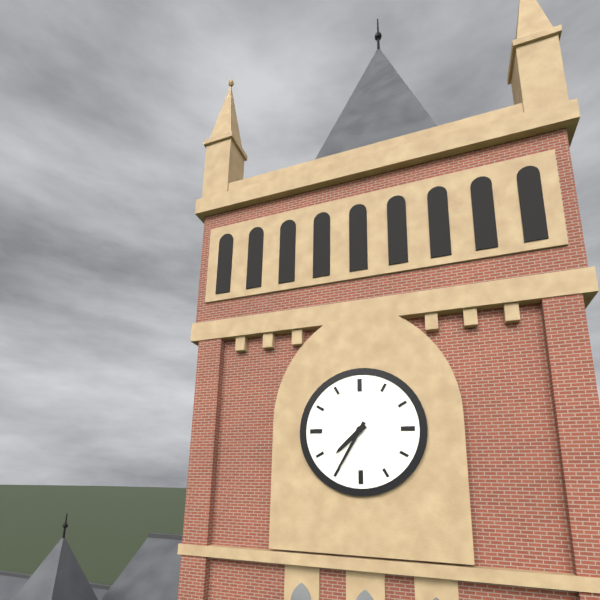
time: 7:35
